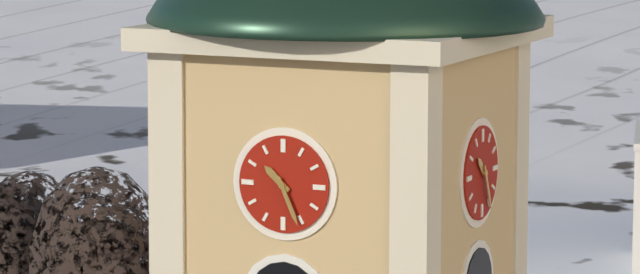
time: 10:26
